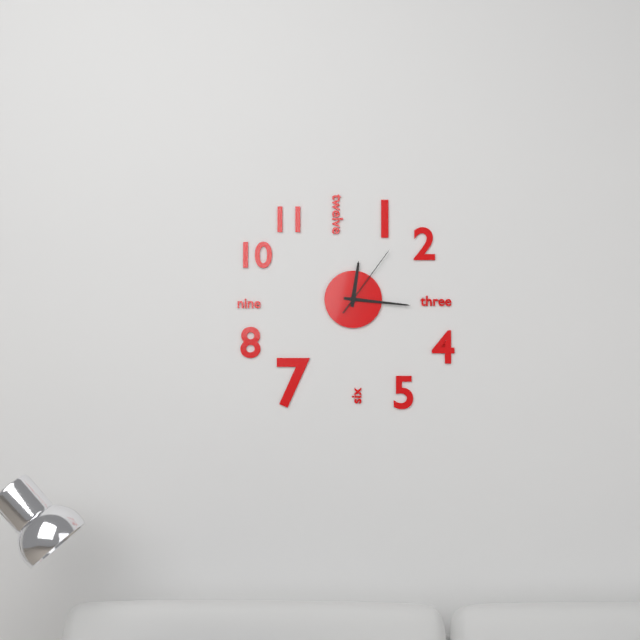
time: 12:16:06
